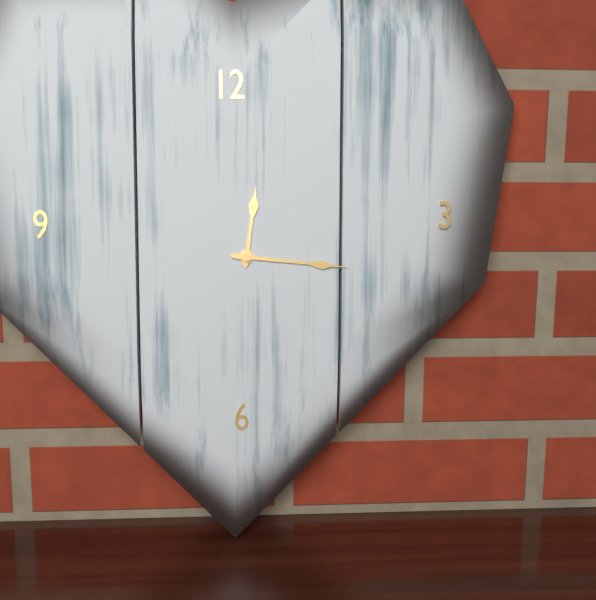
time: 12:16
